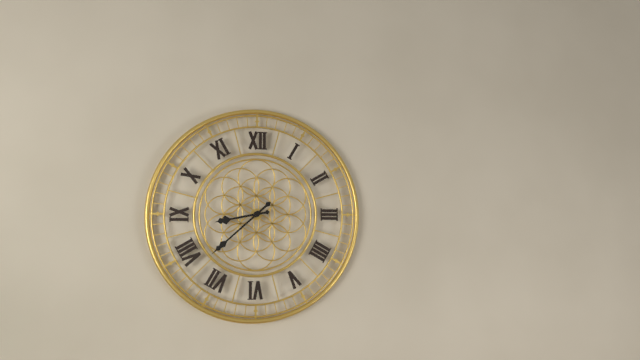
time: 8:38
